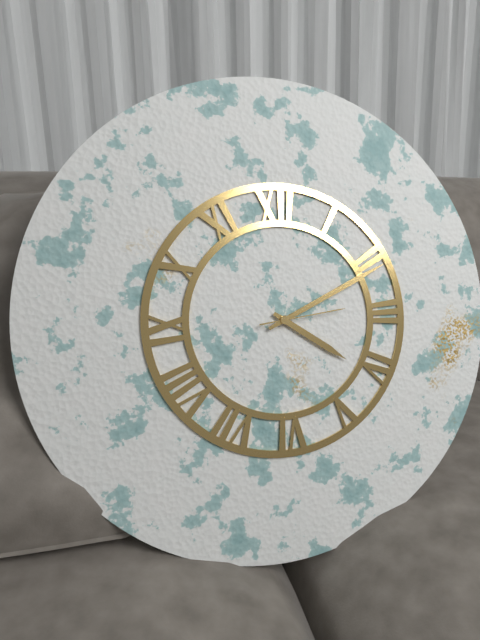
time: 4:11:14
